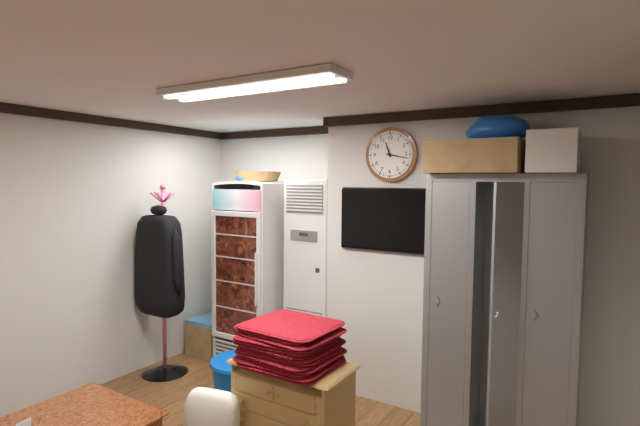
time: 11:17
